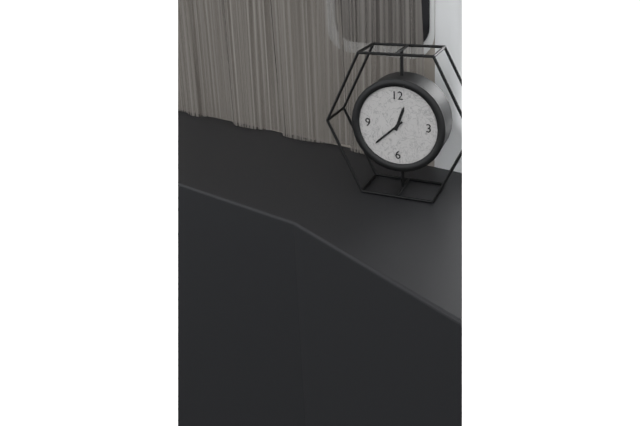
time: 12:38
